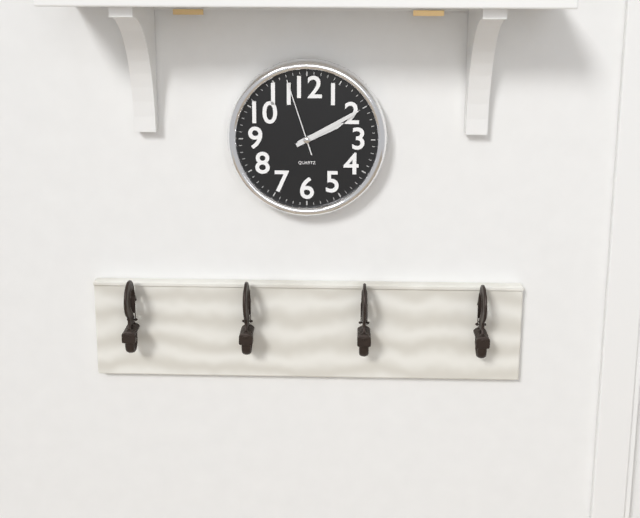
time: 2:10:57
